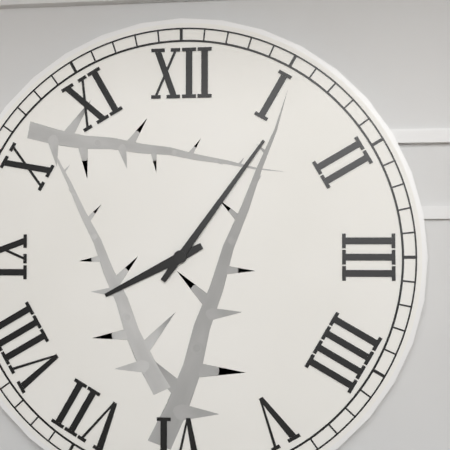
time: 8:06
